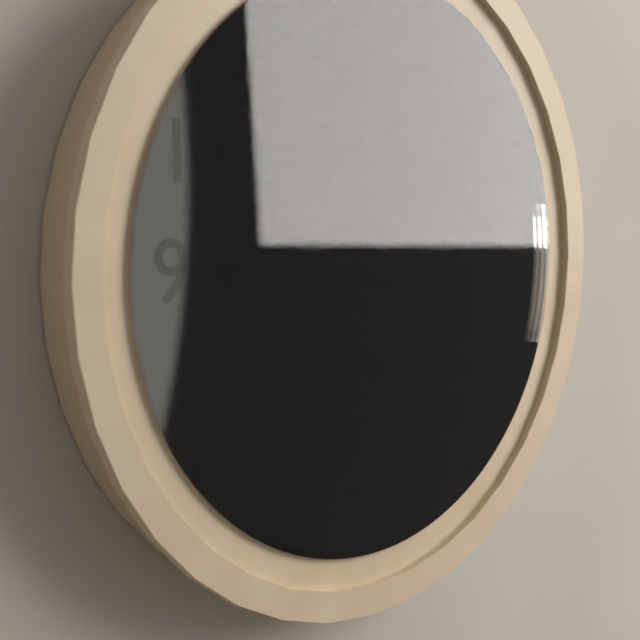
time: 12:55
